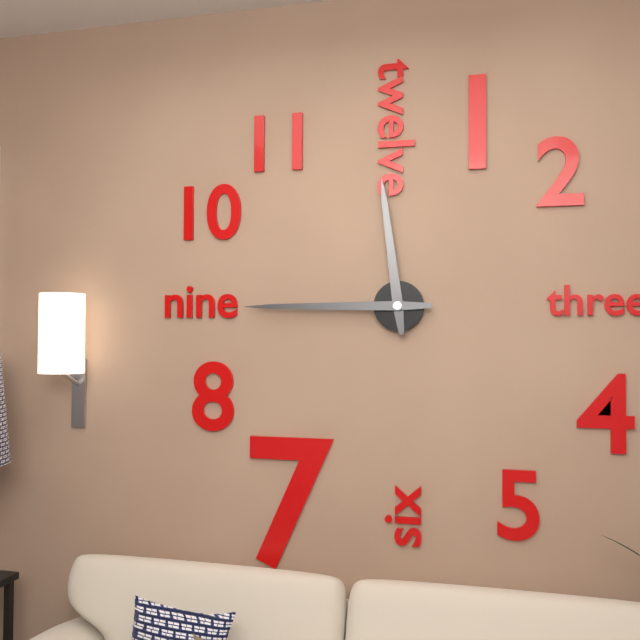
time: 11:45
